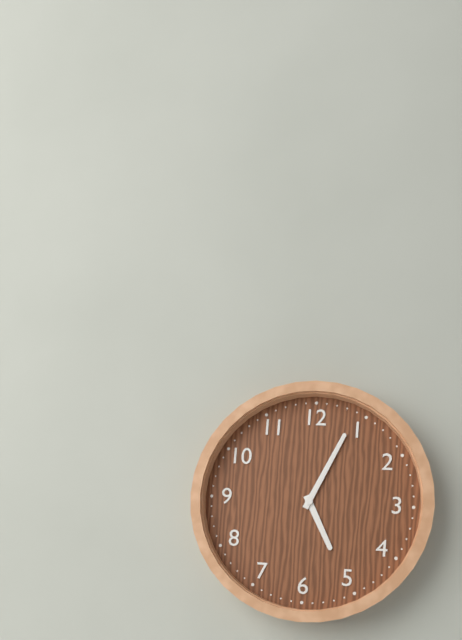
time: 5:04
